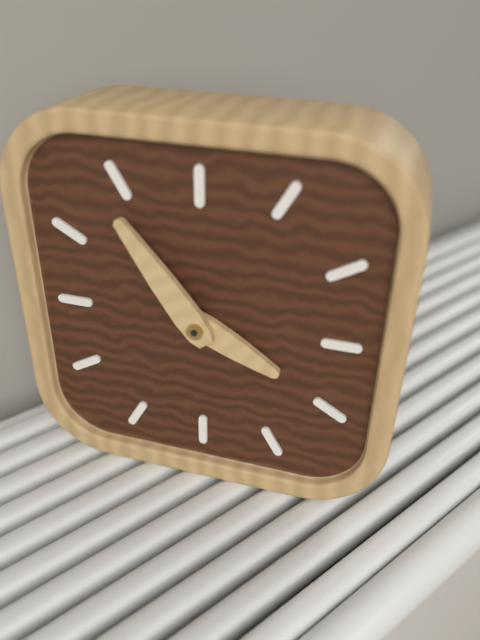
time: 3:54
